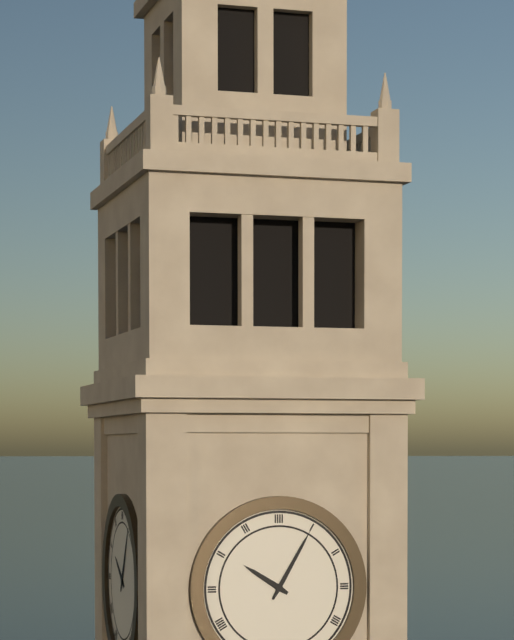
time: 10:05
